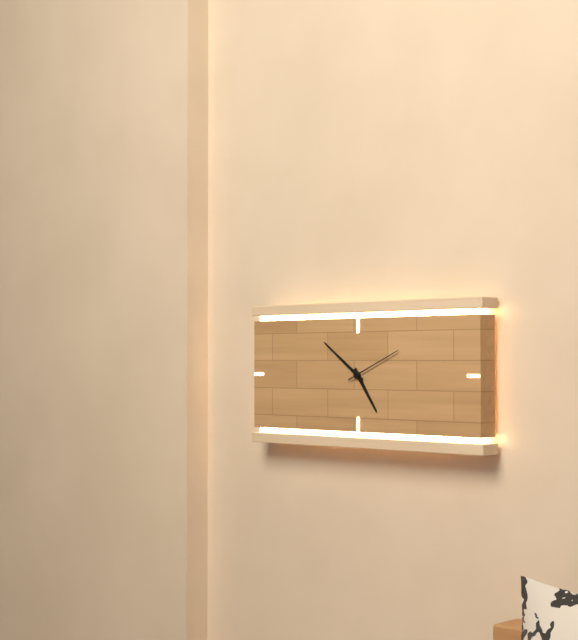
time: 4:51:11
